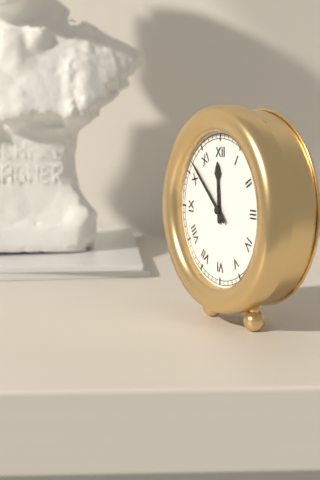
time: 11:52
